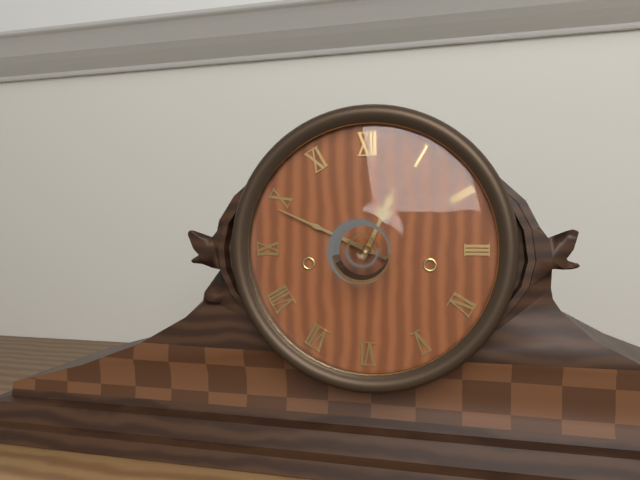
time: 12:49
